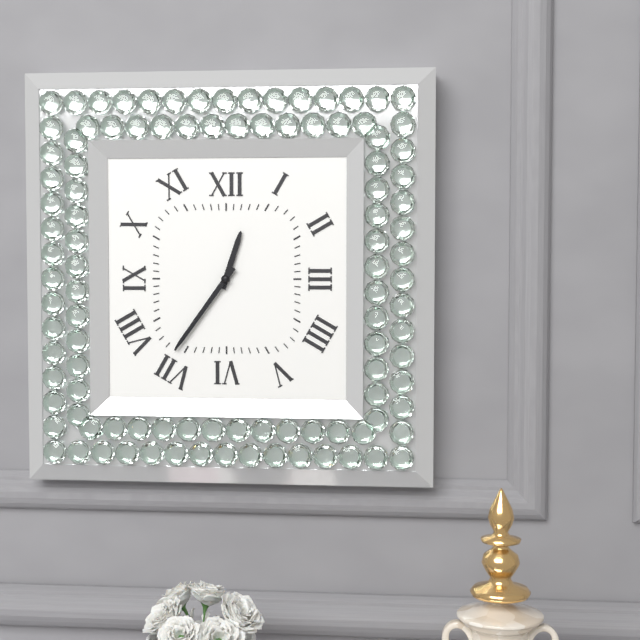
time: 12:36
